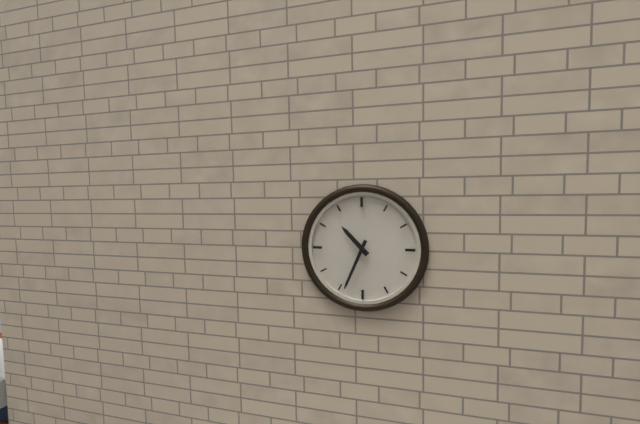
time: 10:34
